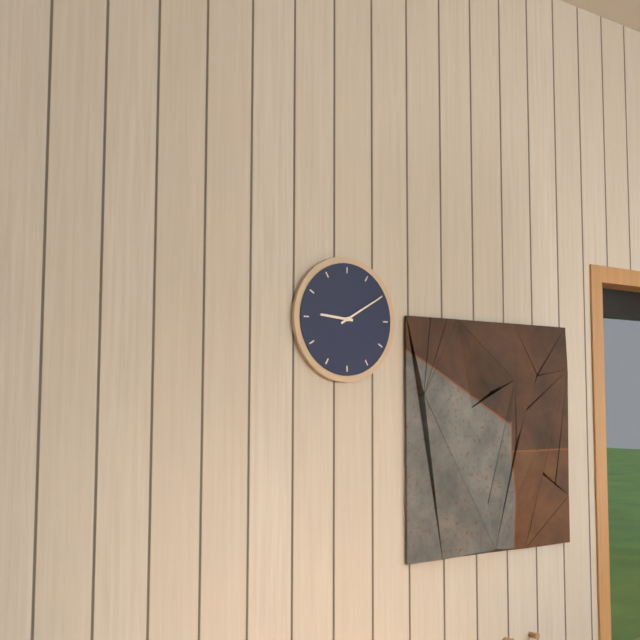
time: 9:10
